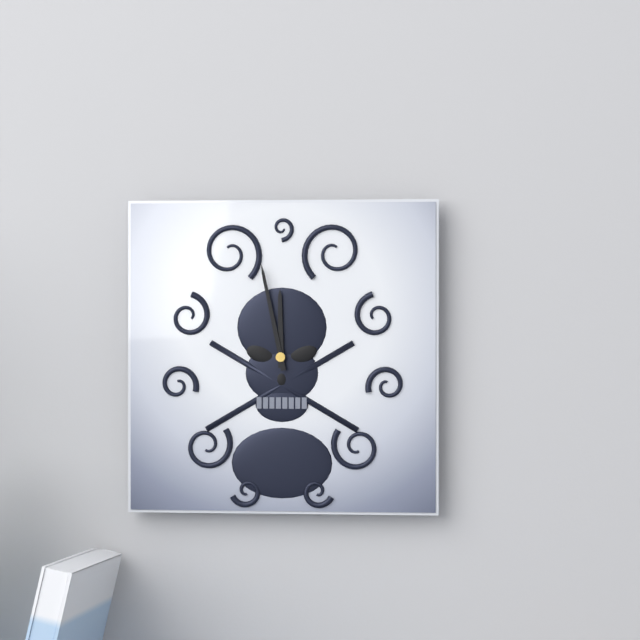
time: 11:58
